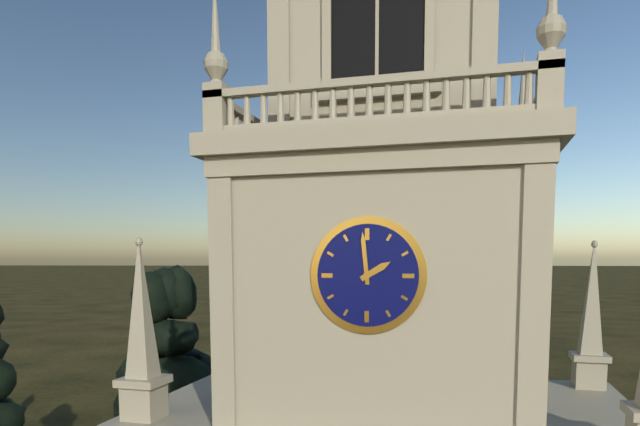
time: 1:59
